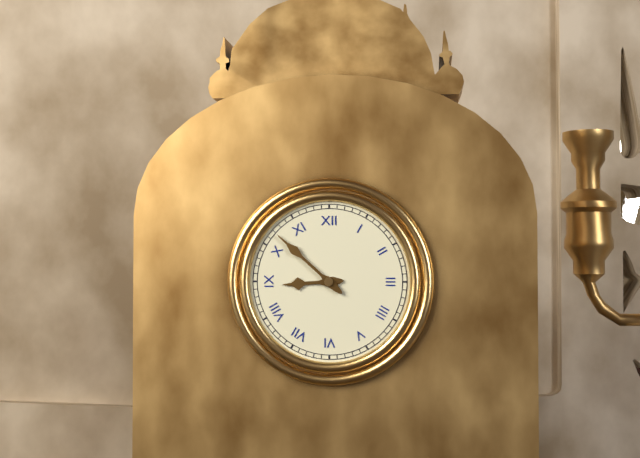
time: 8:52
